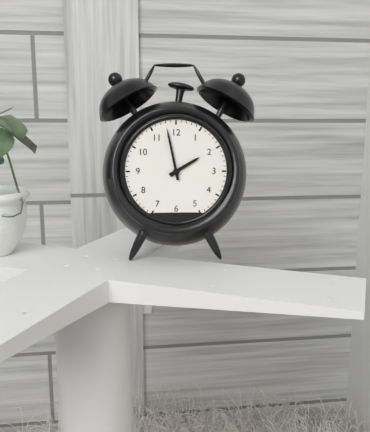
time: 1:58
